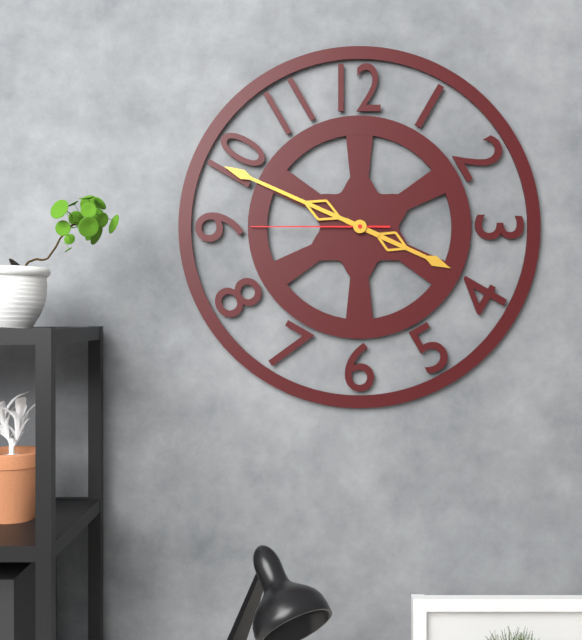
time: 3:49:45
